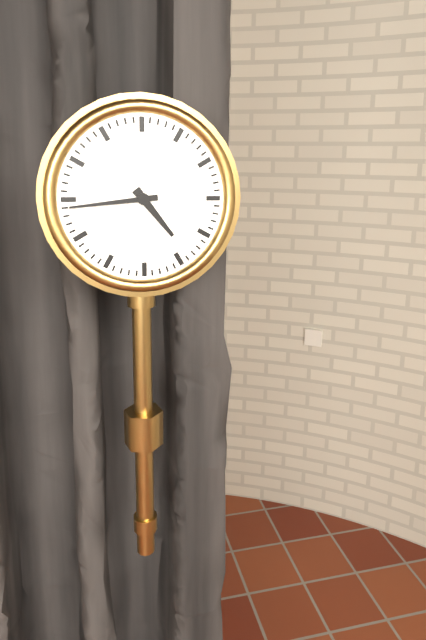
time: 4:44
